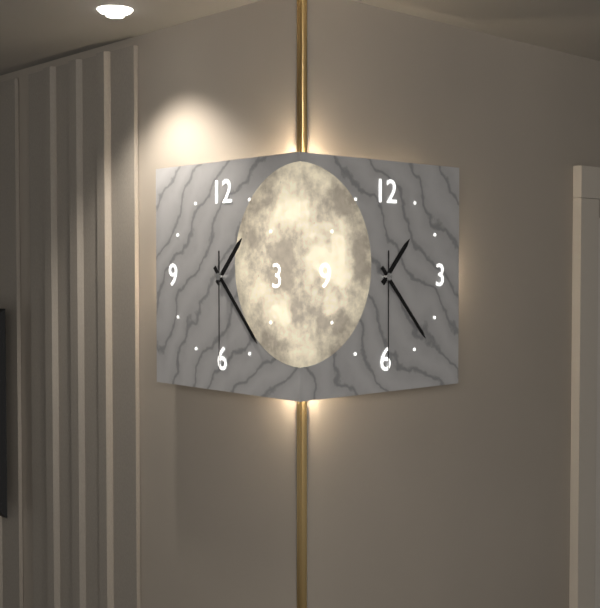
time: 1:23:30
